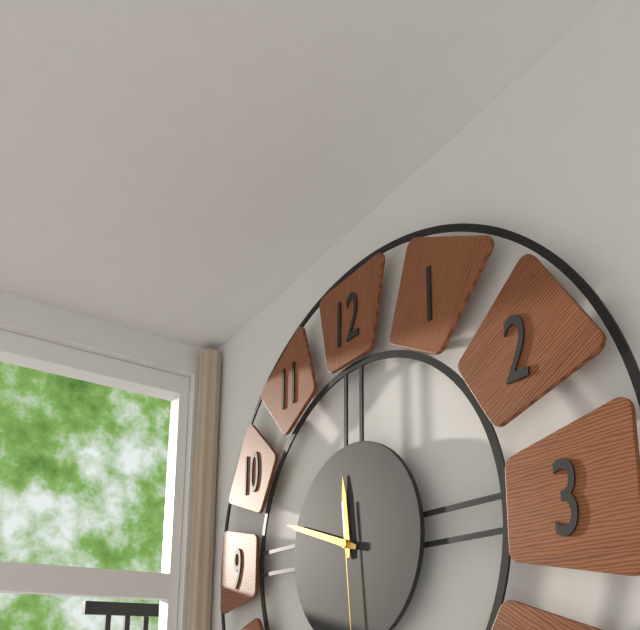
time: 11:48
